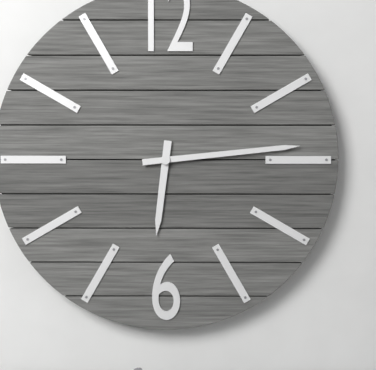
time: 6:14
